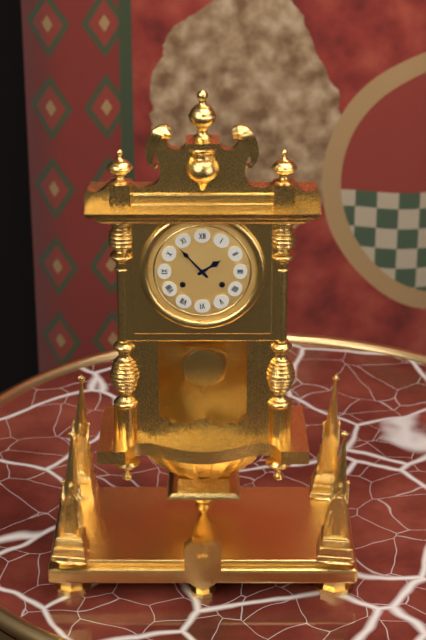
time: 1:53
